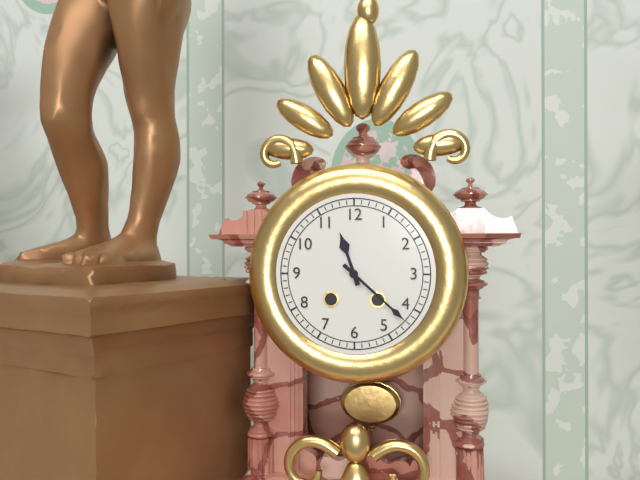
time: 11:22
